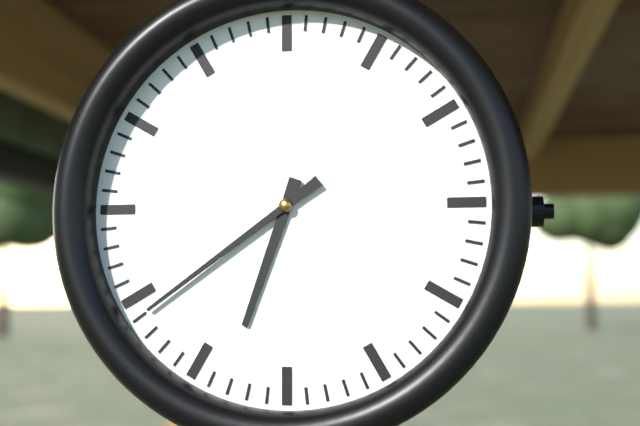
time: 6:39
